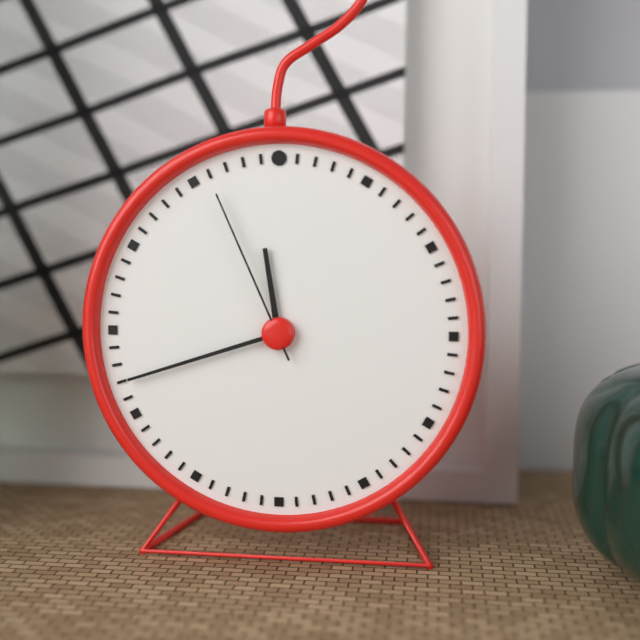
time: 11:42:56
